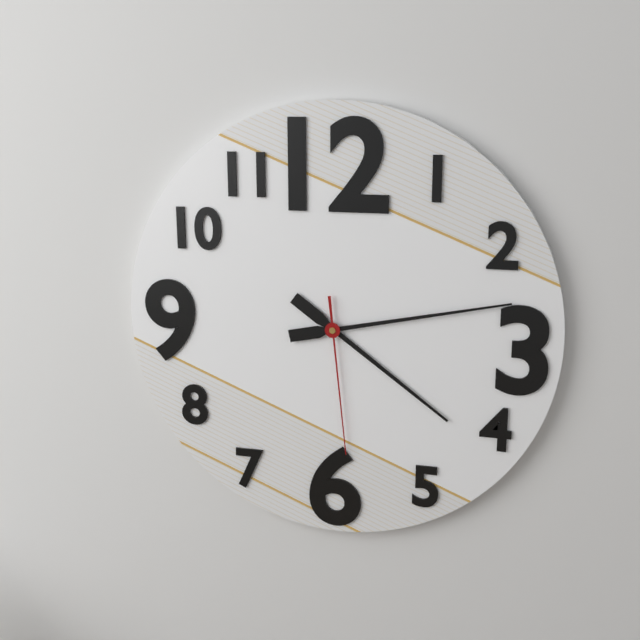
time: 4:13:29
